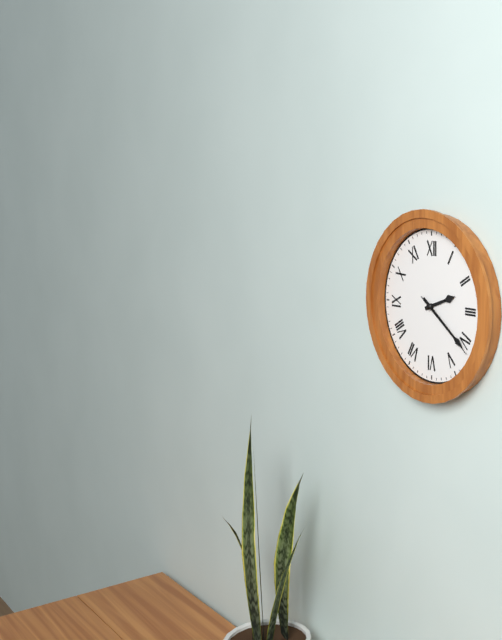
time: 2:21:21
